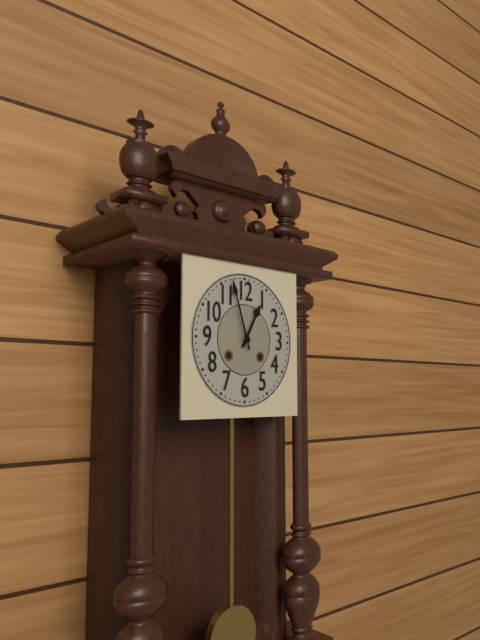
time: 12:57
